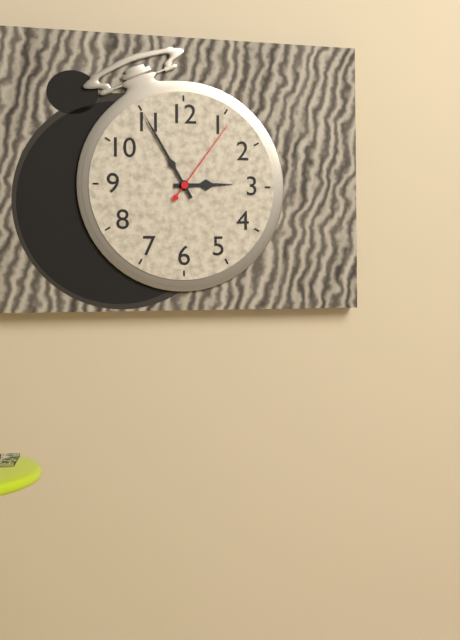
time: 2:55:06
